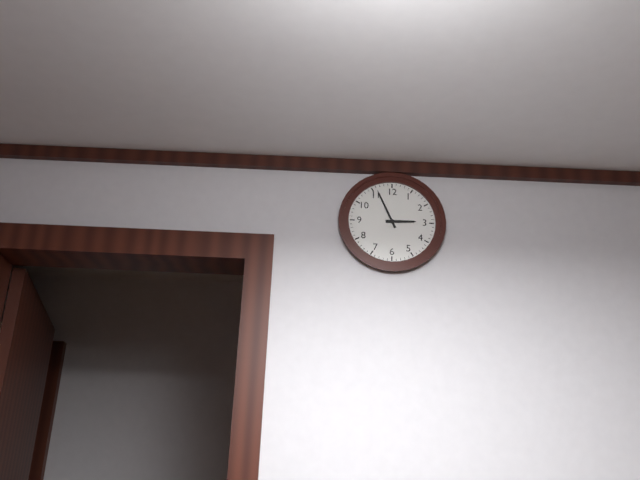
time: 2:56
